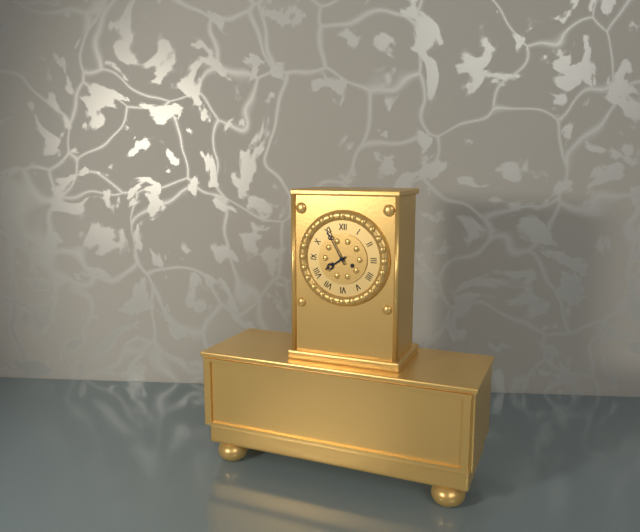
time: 7:55
